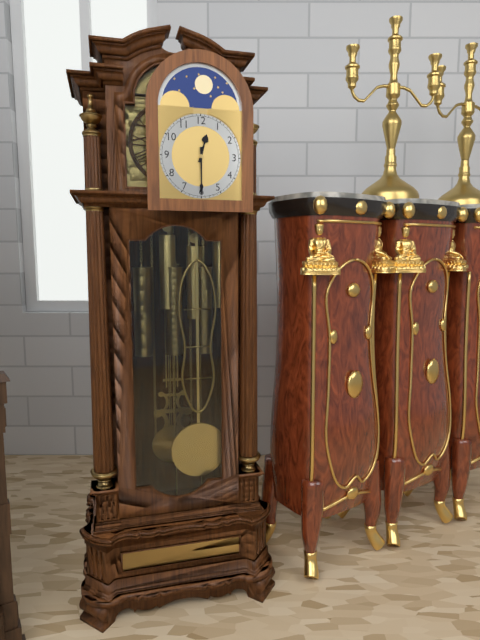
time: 12:30
